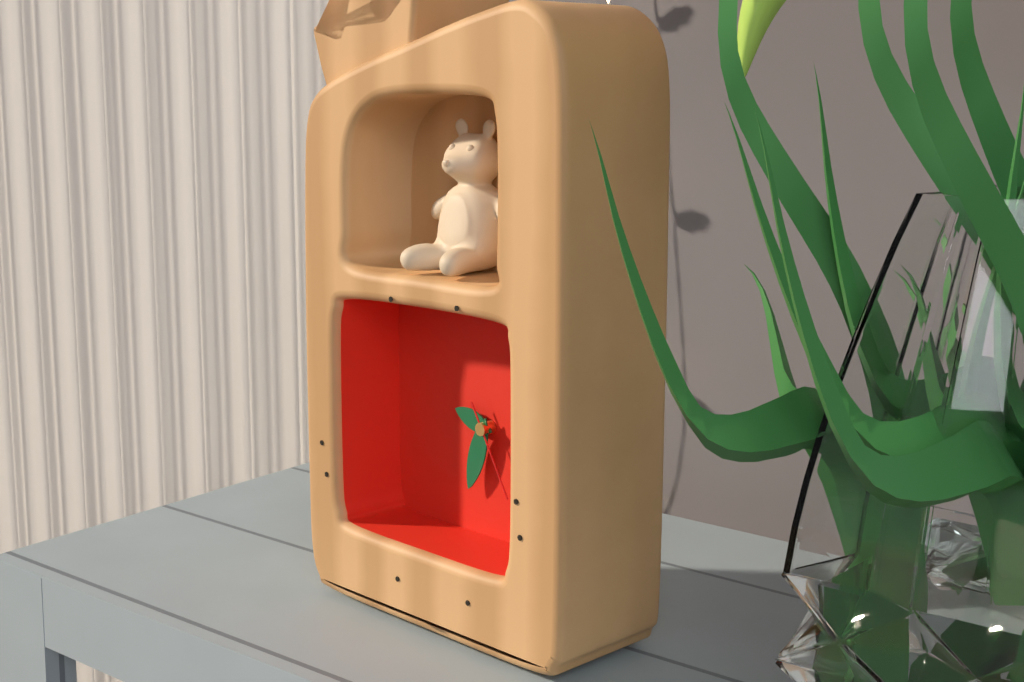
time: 9:33:25
